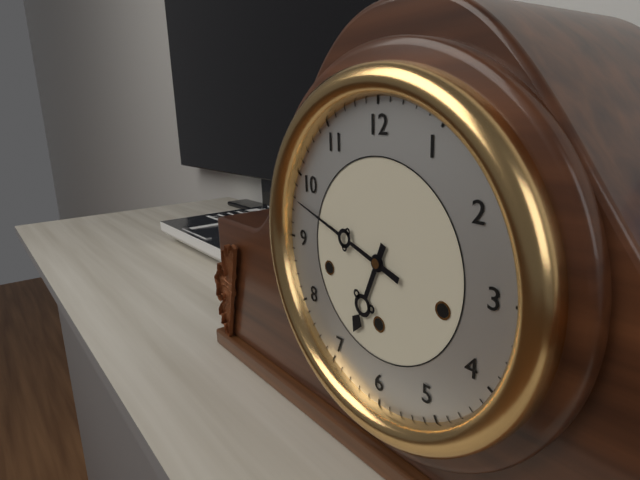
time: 6:48
